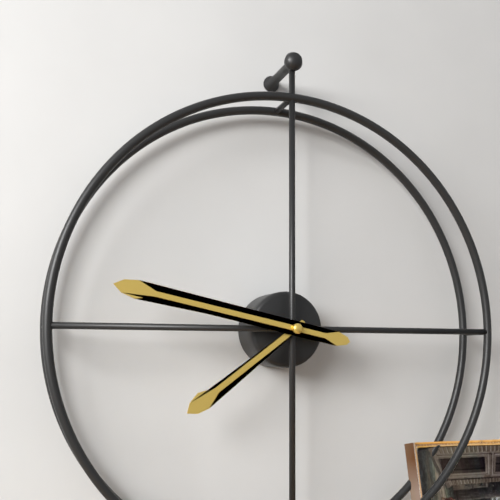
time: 7:47
